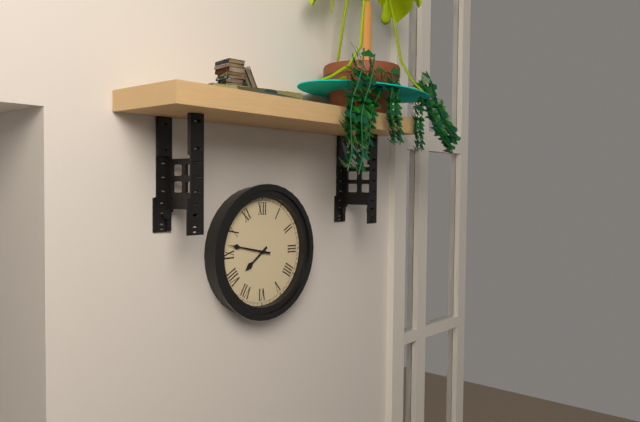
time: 7:47
